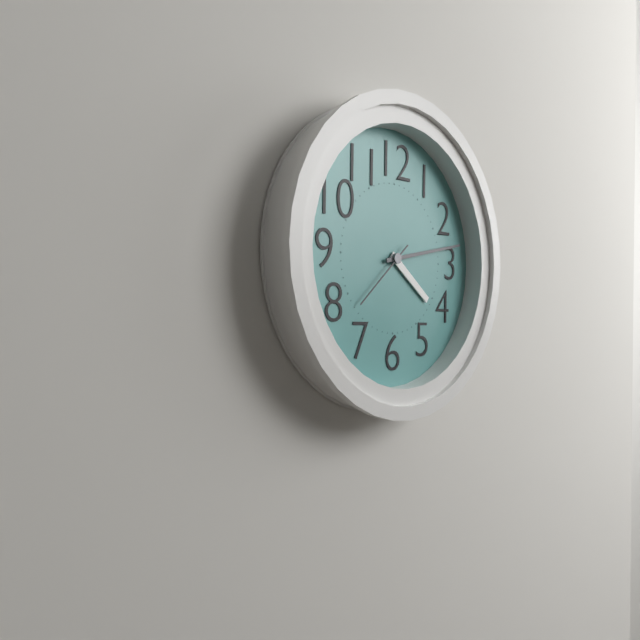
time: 4:13:38
